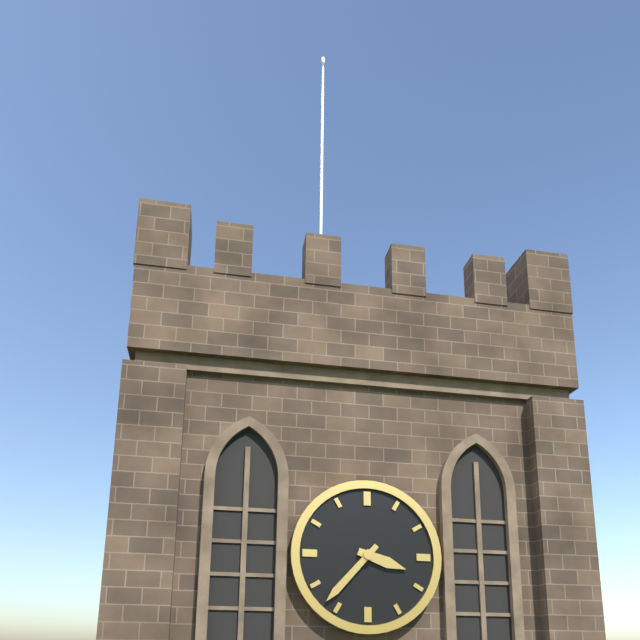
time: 3:37
